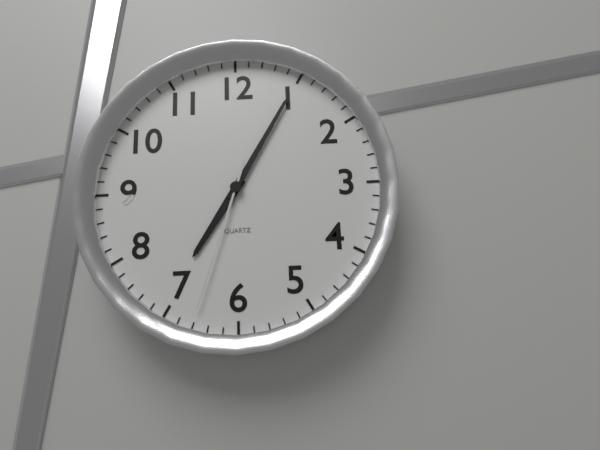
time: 7:05:33
